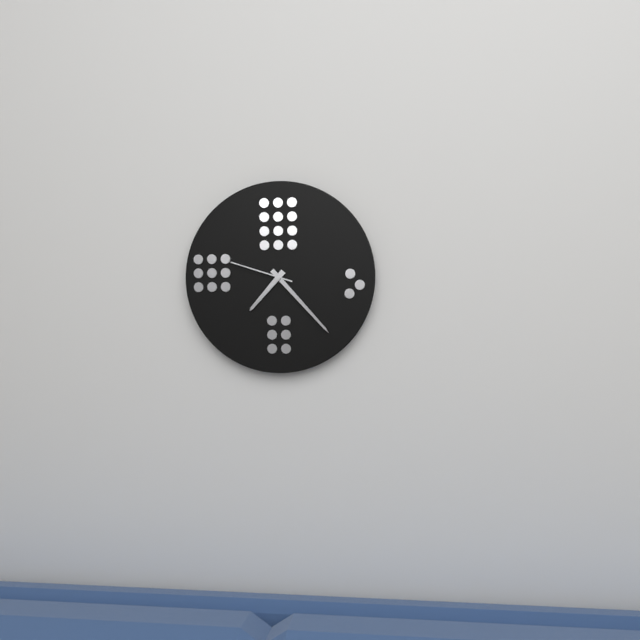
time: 7:23:48
